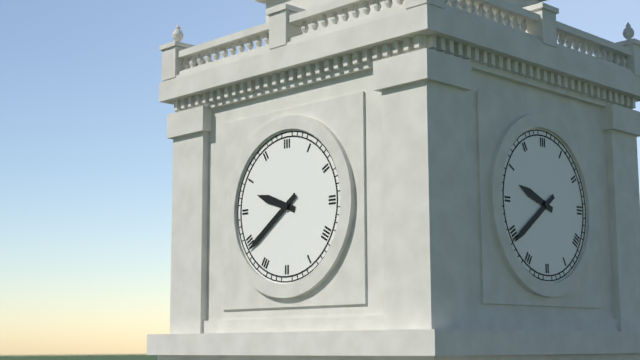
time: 9:39
